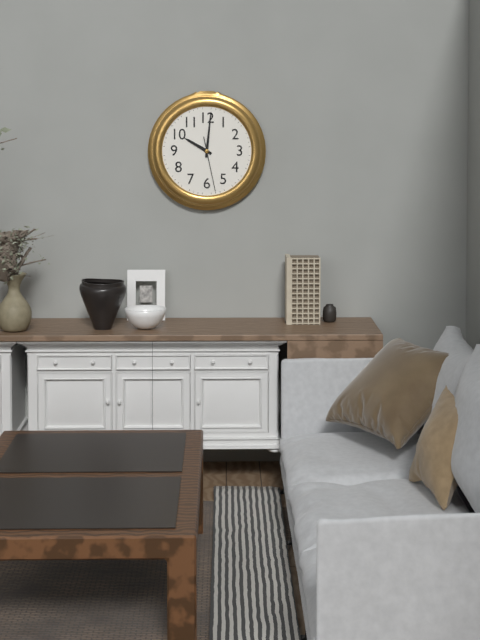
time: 10:01:28
